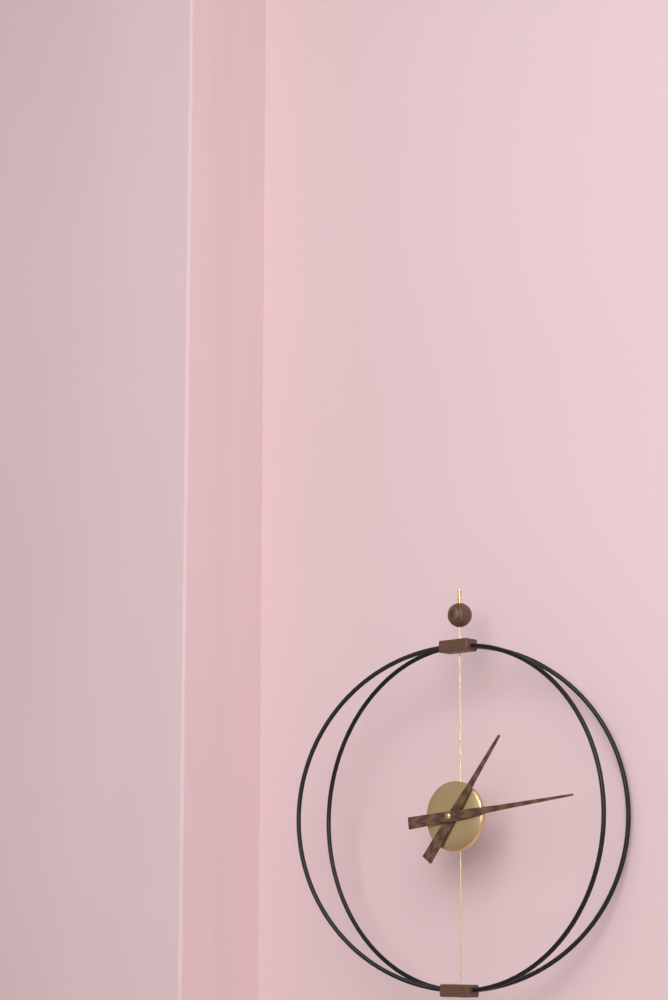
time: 1:14
